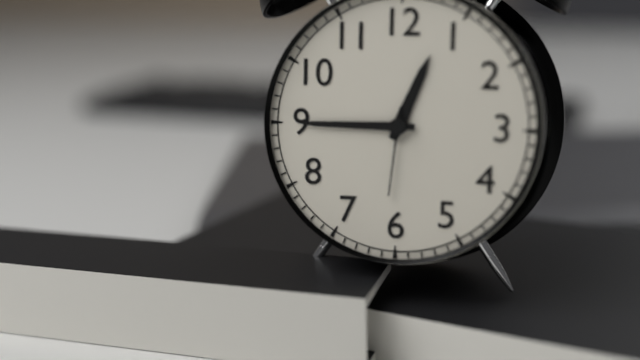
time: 12:45:31
